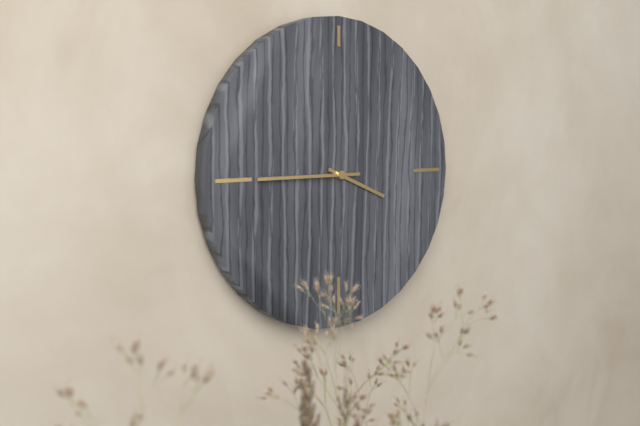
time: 3:45
